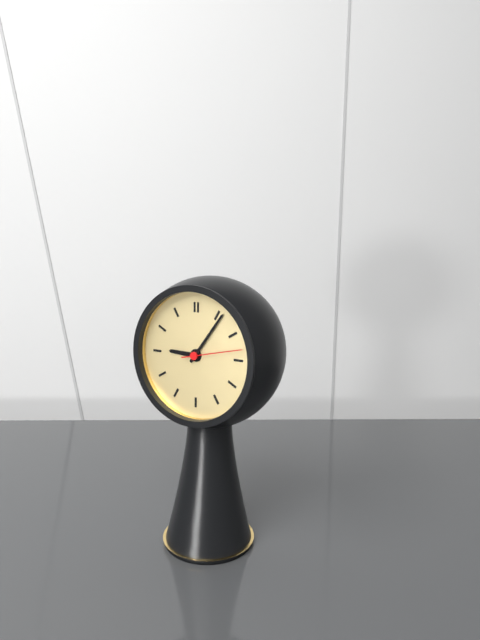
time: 9:06:13
